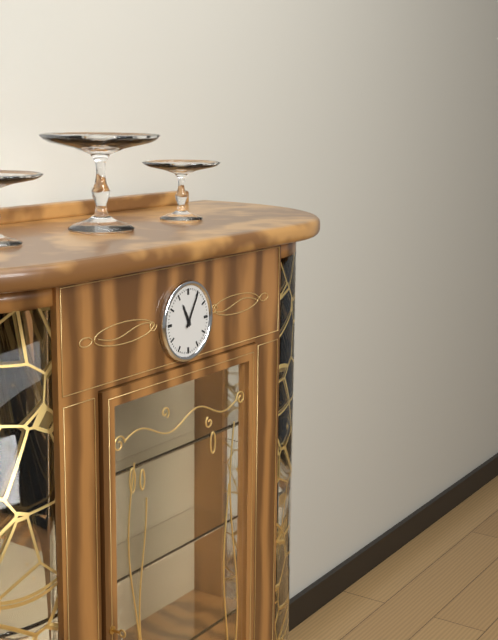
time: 11:05
